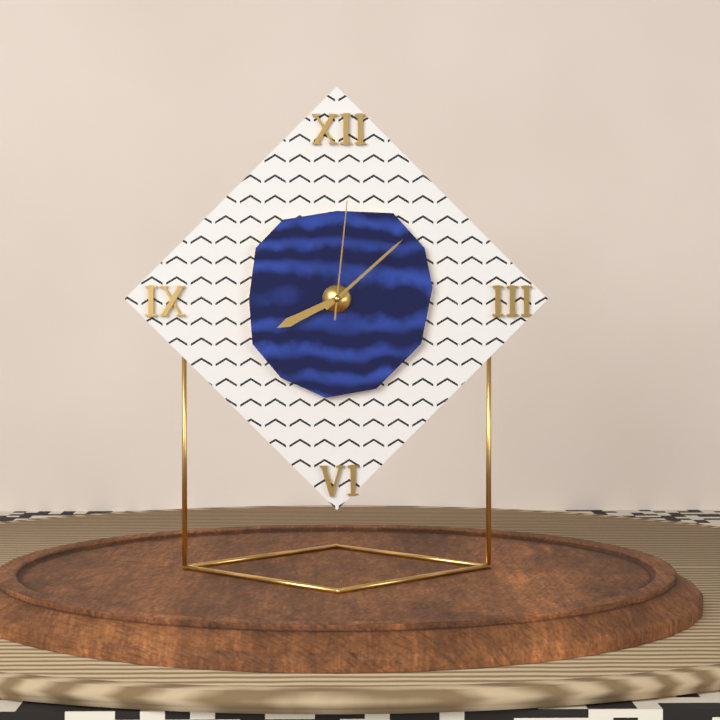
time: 8:08:01
